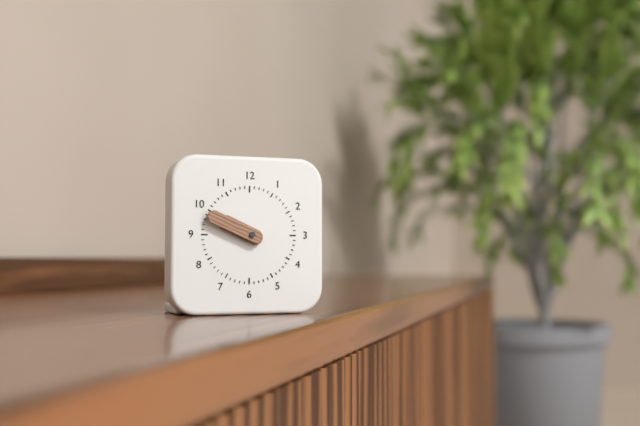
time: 9:49
